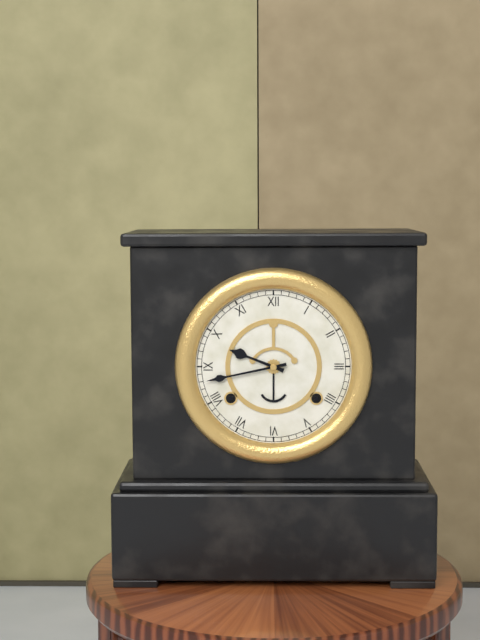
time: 9:43
